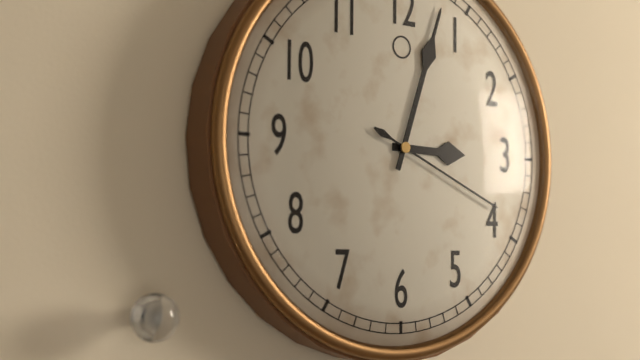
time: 3:03:19
